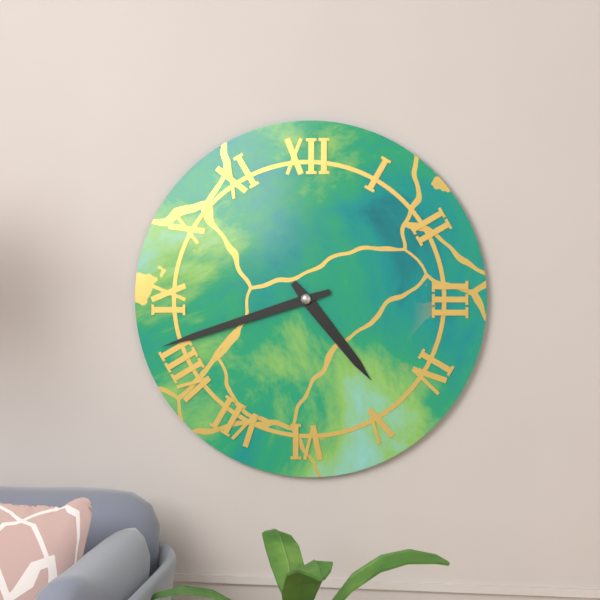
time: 4:42
